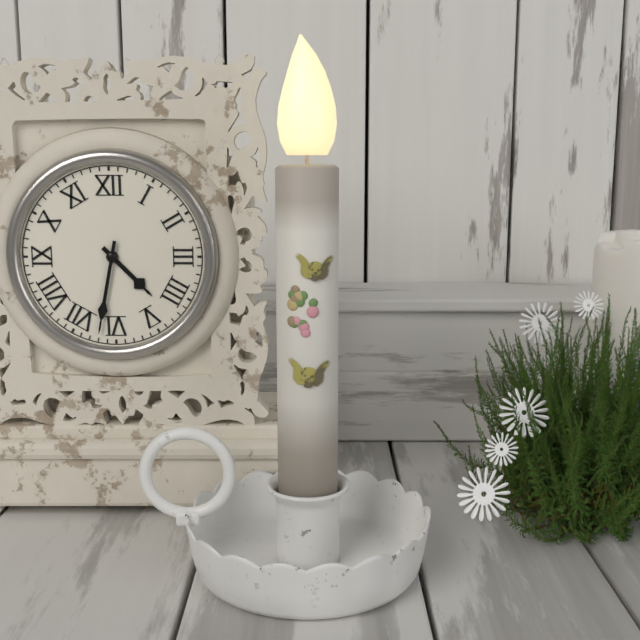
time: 4:32
